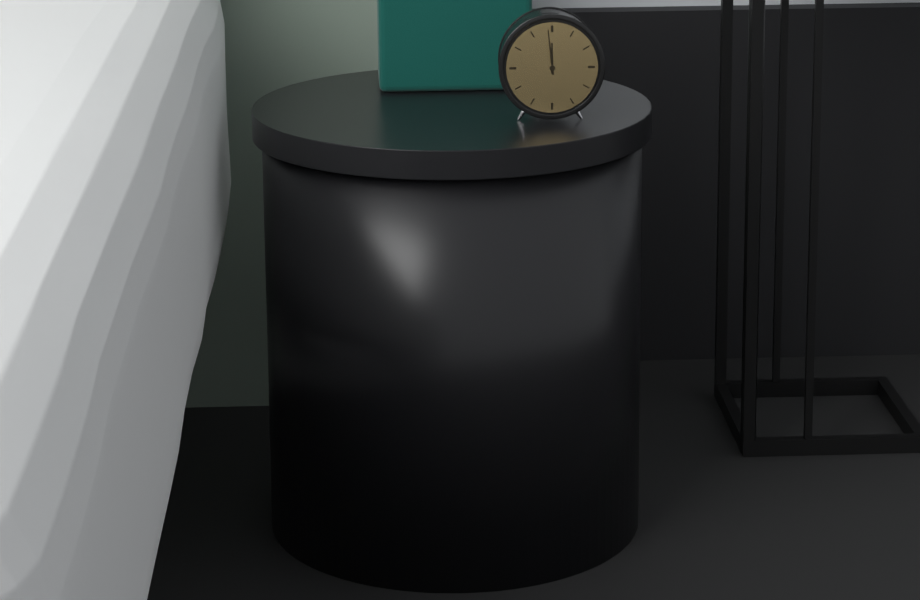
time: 11:59
